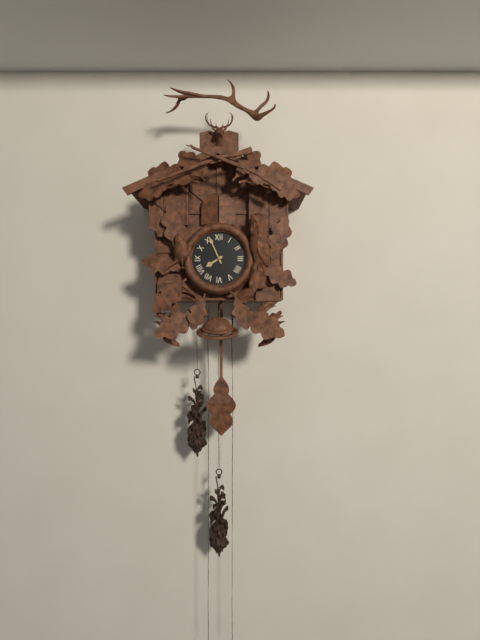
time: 7:56
